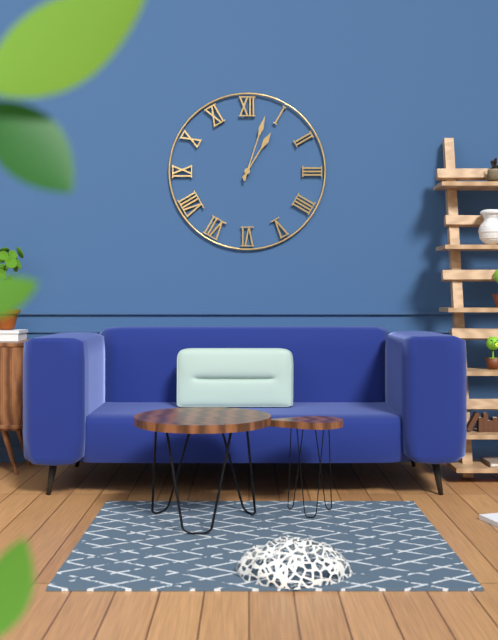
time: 1:03
